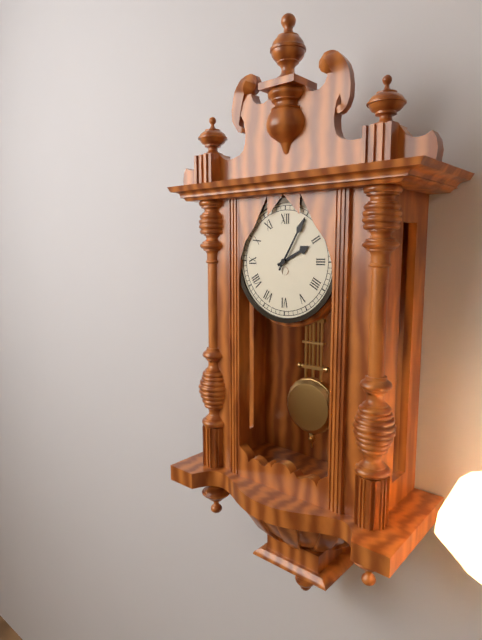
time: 2:05
